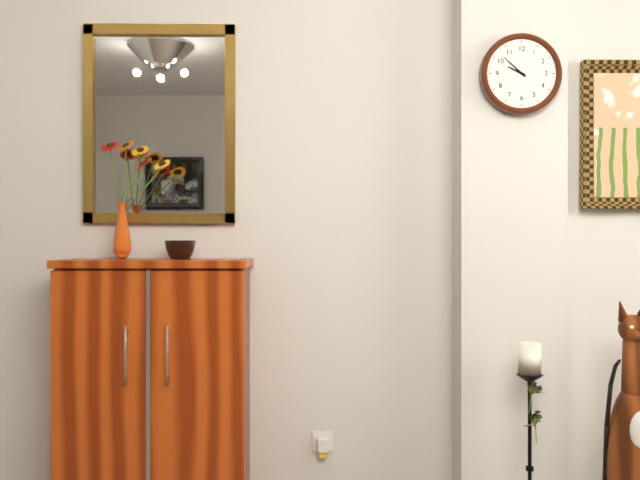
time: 9:52
